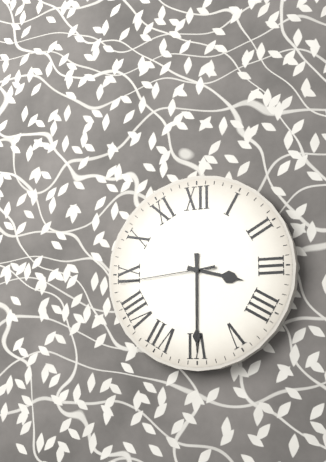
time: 3:30:44
